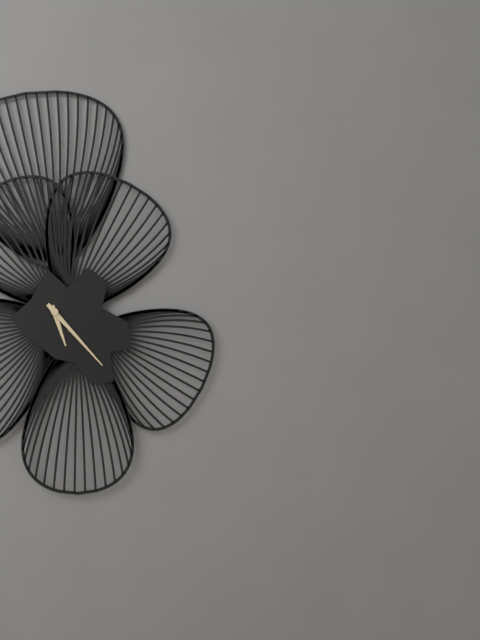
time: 5:23
